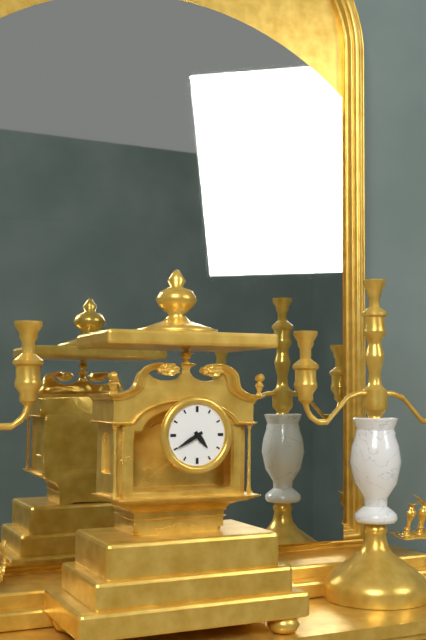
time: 4:40
